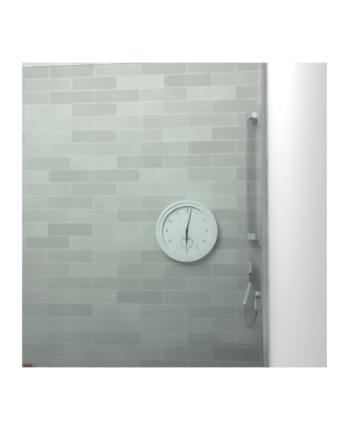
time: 6:02
